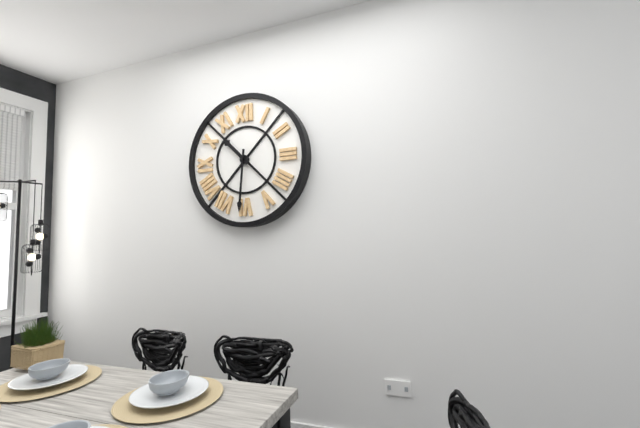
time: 10:31
